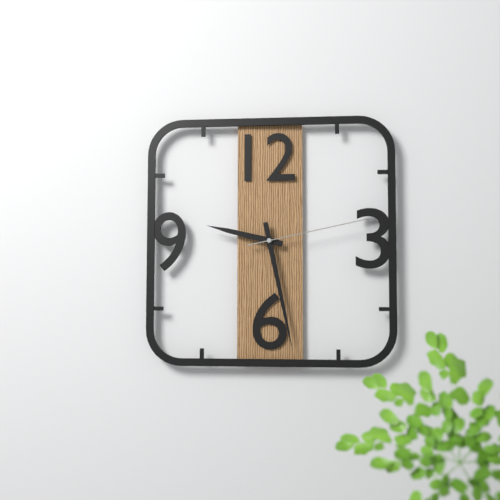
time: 9:28:13
